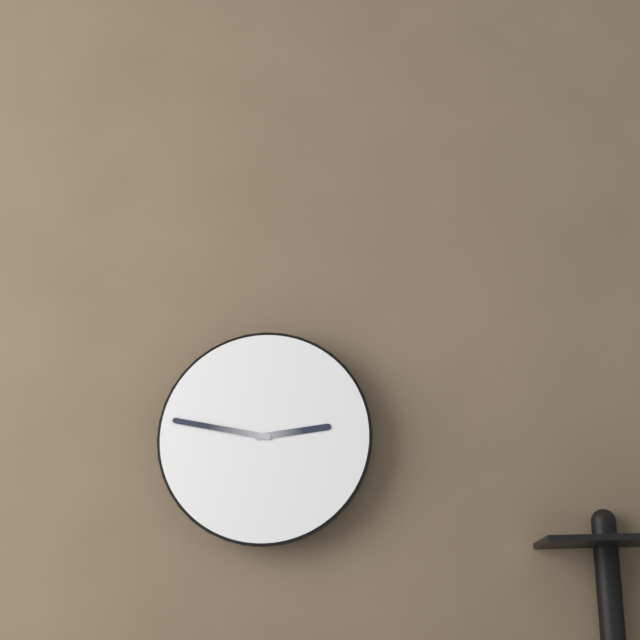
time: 2:47
